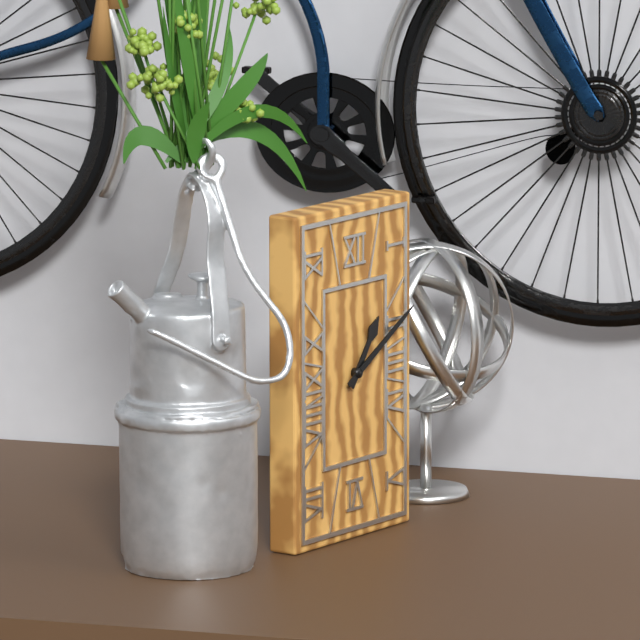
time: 1:10
